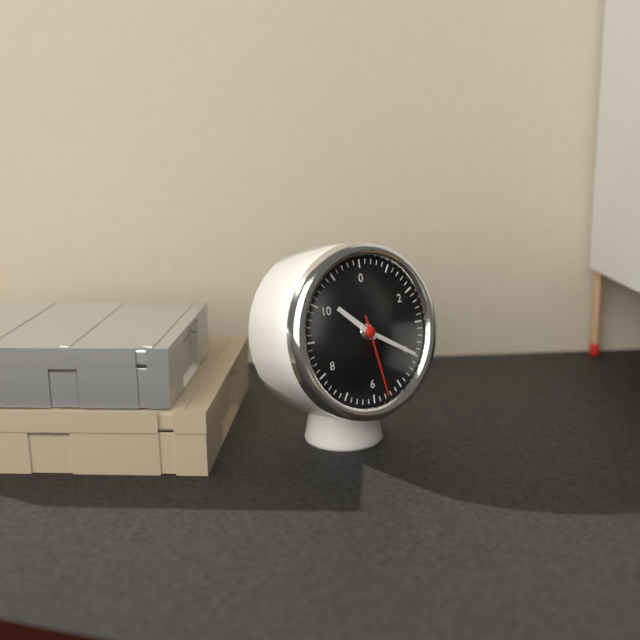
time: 10:20:28
